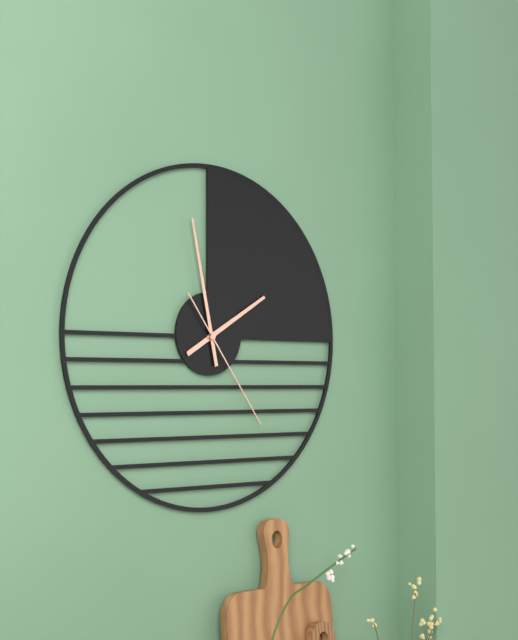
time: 1:58:24
